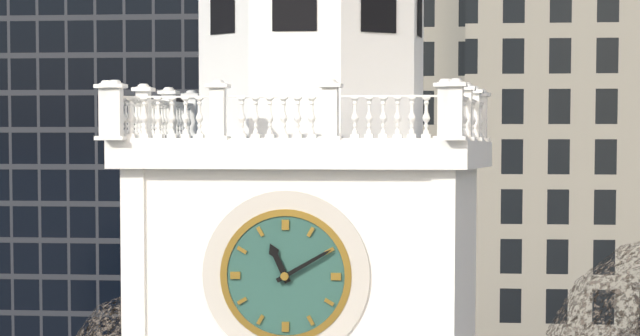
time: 11:10
